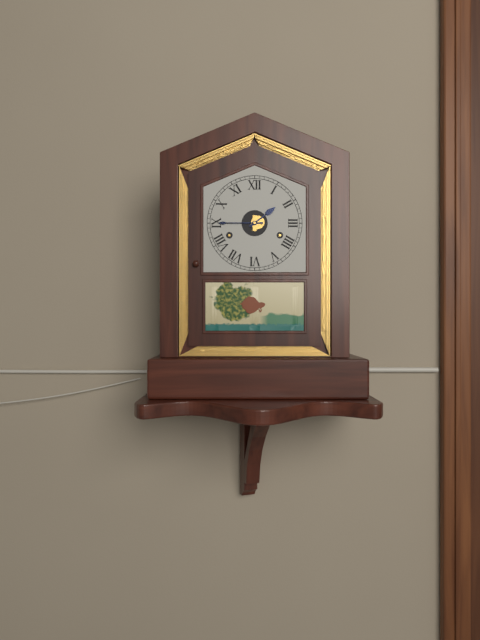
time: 1:45
